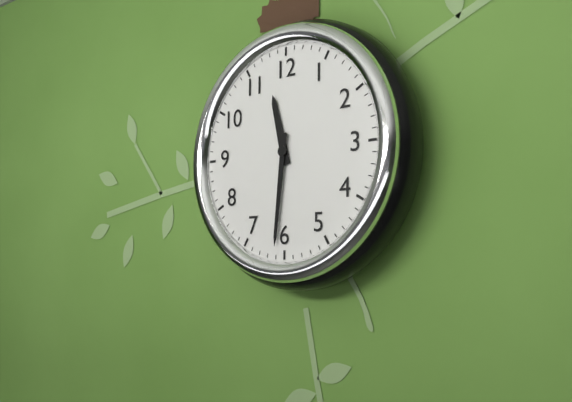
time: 11:31
